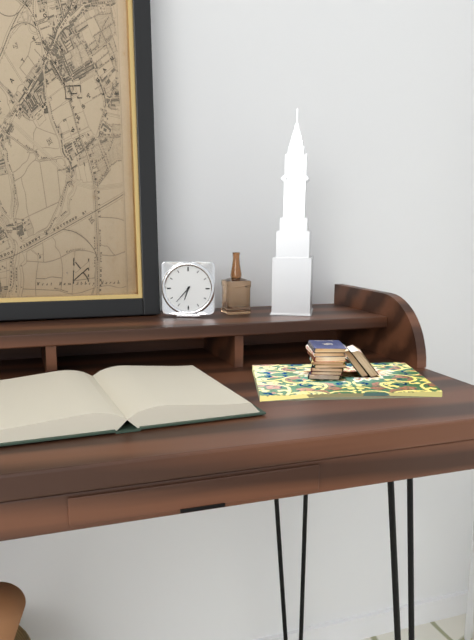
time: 6:37
